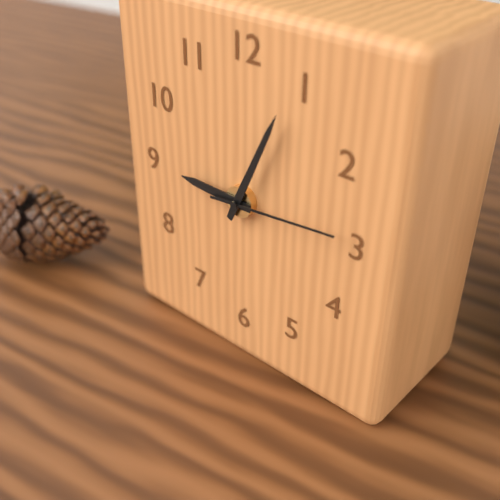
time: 9:04:14
